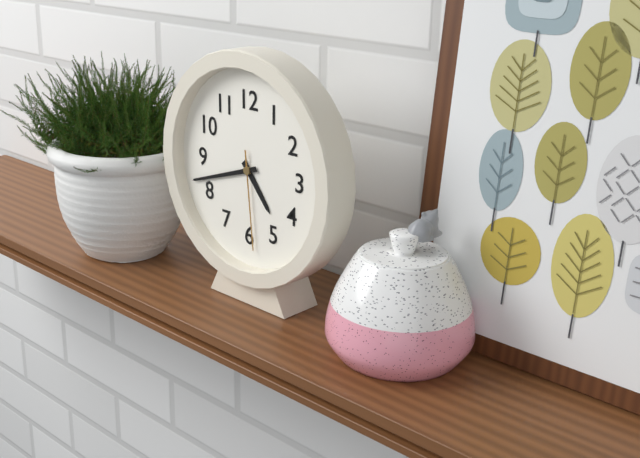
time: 4:42:29
